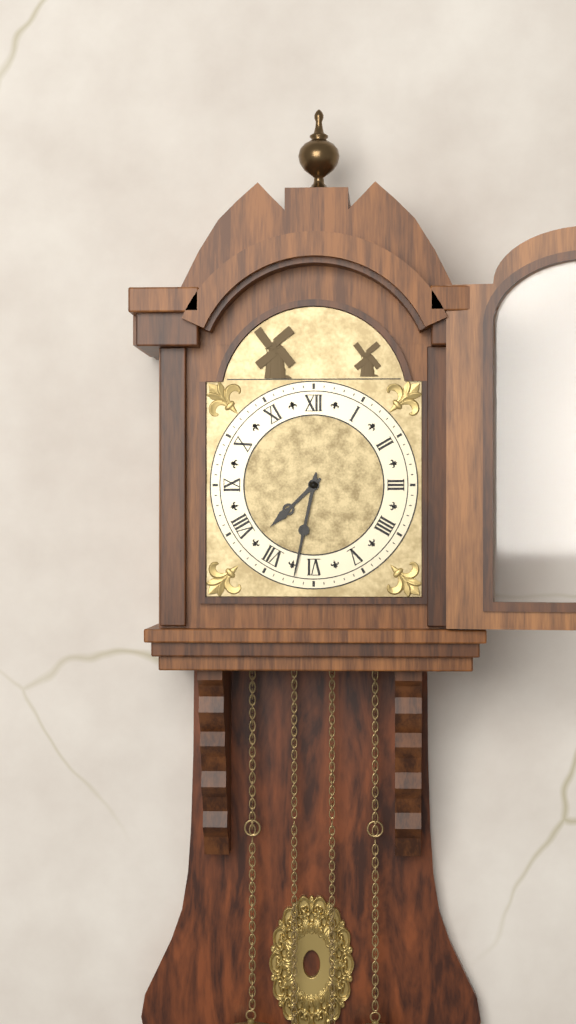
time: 7:32
